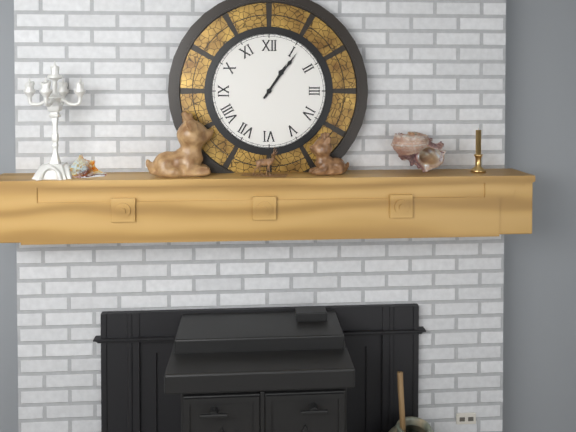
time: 1:06
